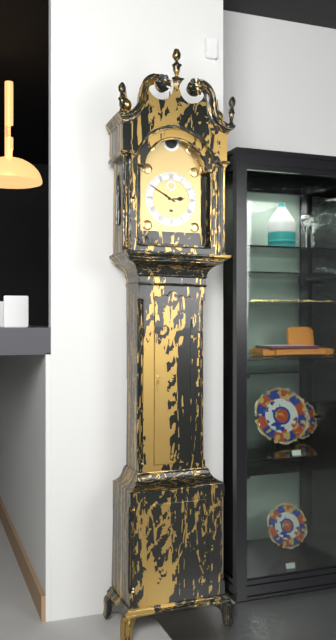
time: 2:50
